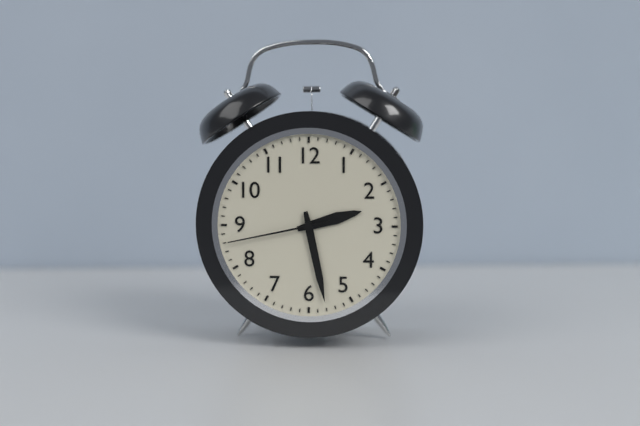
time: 2:28:43
